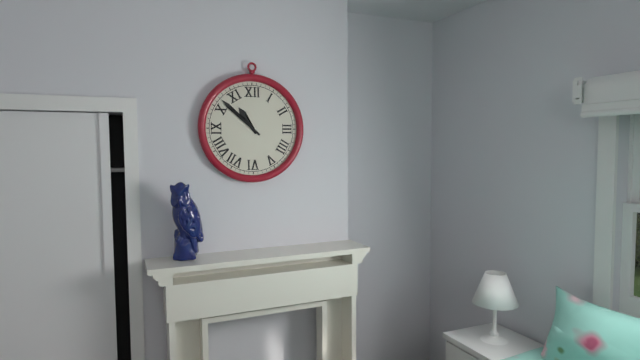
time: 10:52
